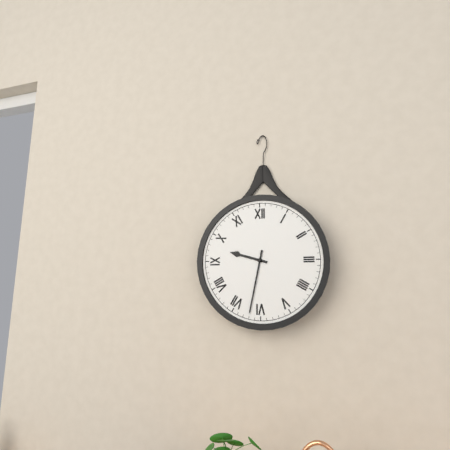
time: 9:32
